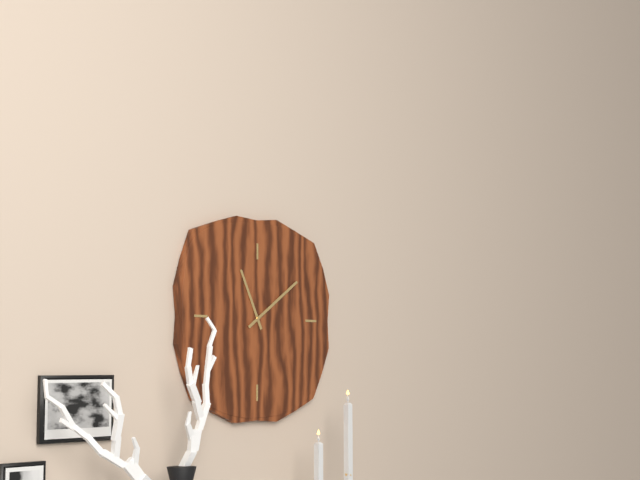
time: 11:09
